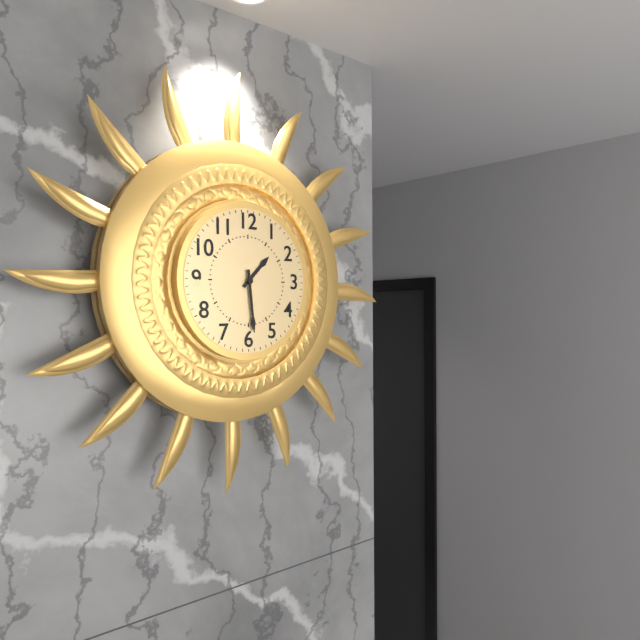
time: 1:29
